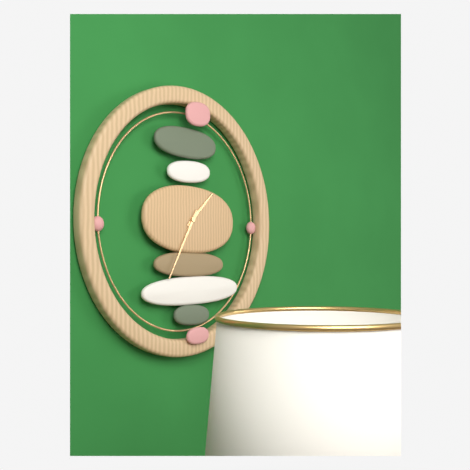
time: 1:35
